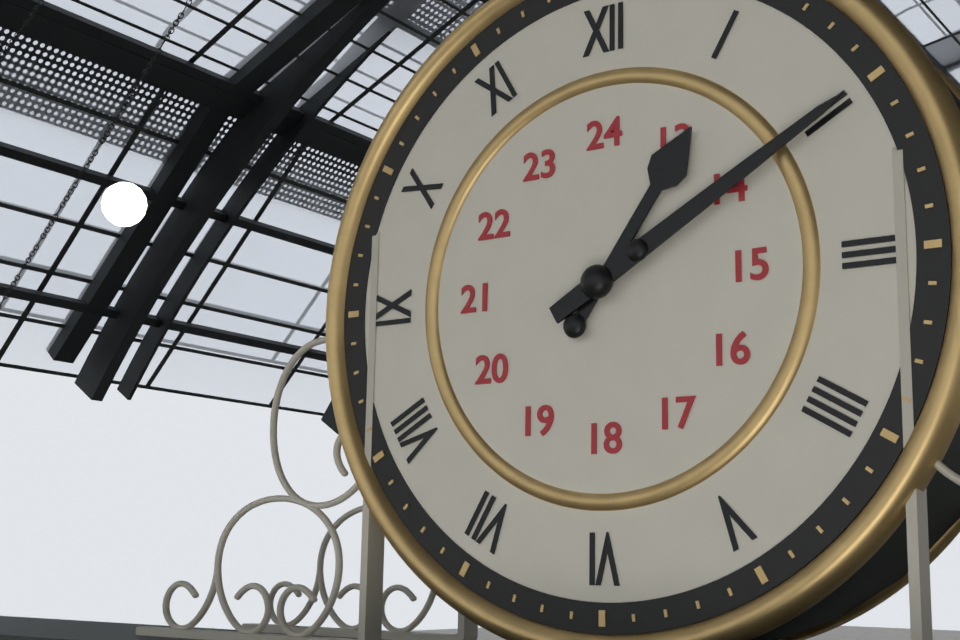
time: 1:10
